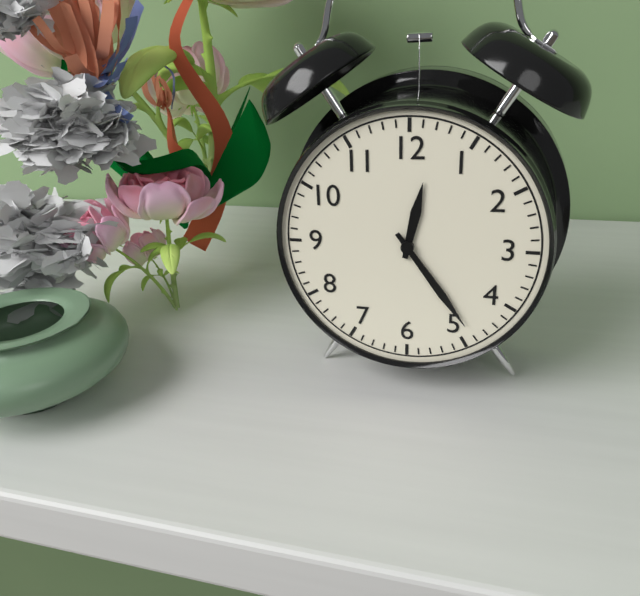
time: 12:24
